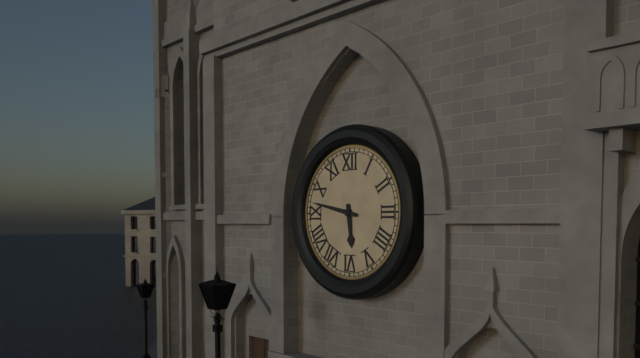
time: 5:47
